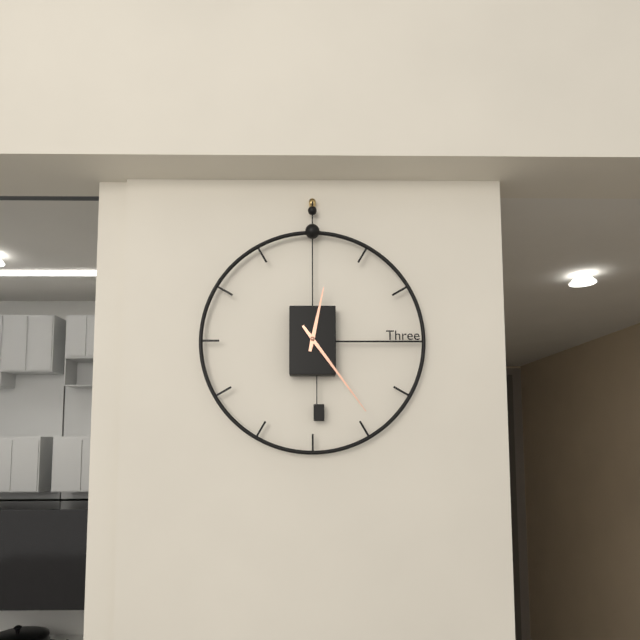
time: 12:24
